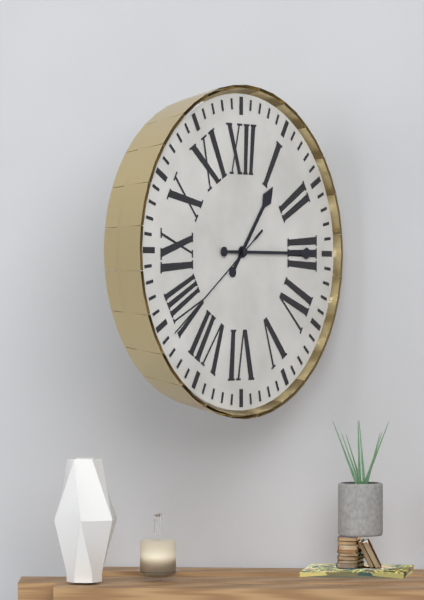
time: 1:15:39
